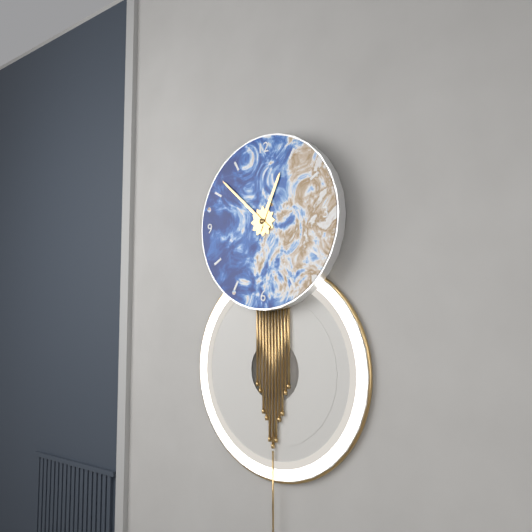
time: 12:52
